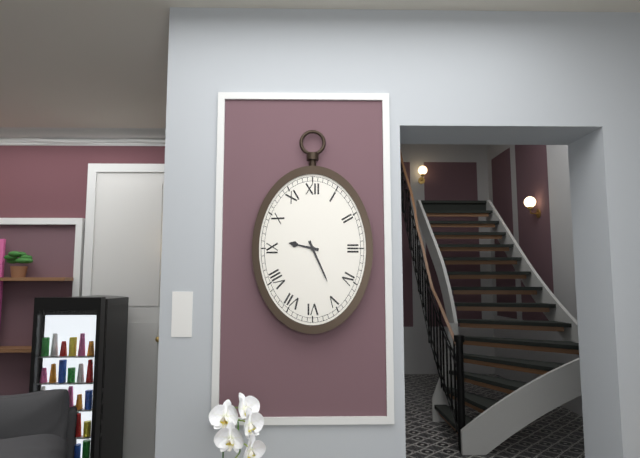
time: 9:26
